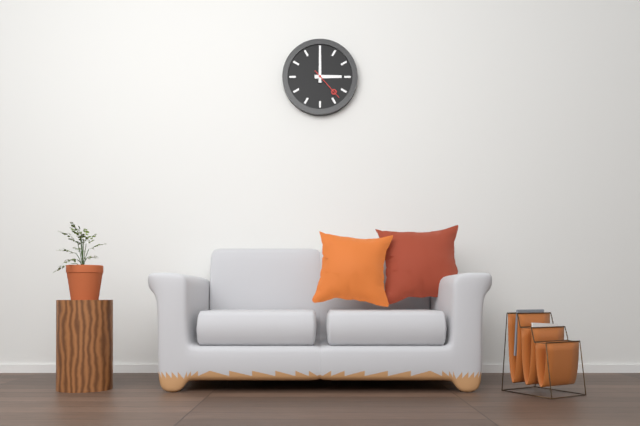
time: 3:00
